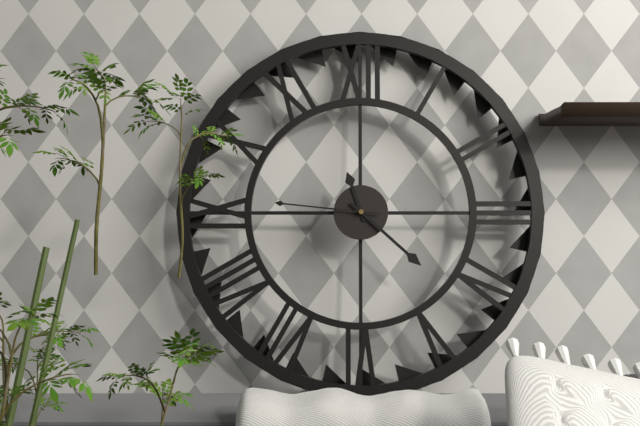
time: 11:22:46
